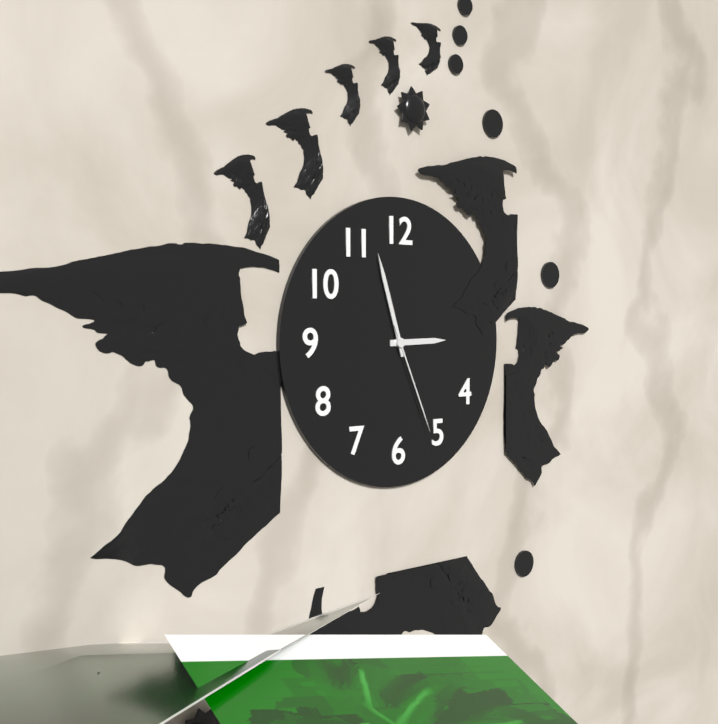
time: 2:57:26
